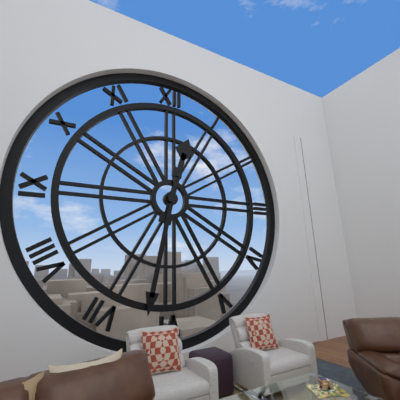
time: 12:32
